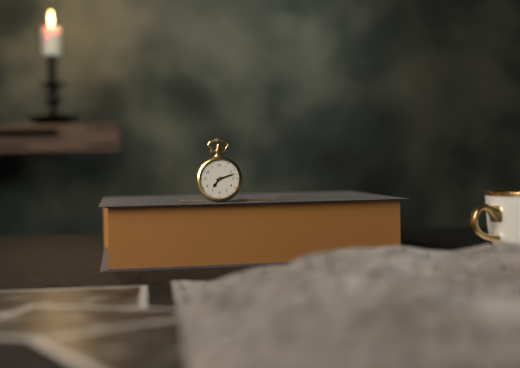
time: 7:12
